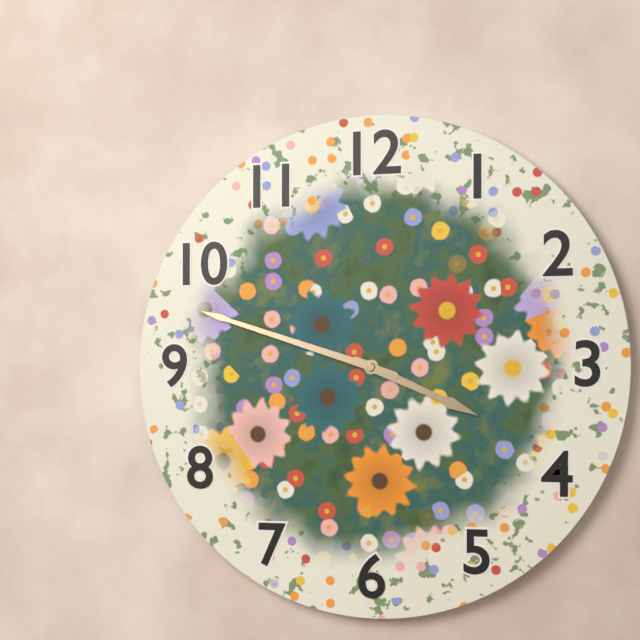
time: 3:48
